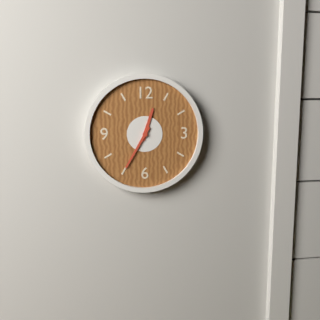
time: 12:35
